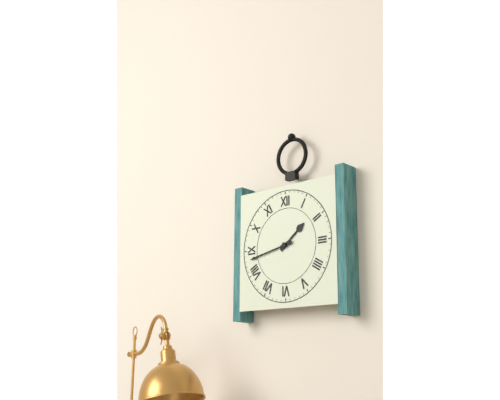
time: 1:43
